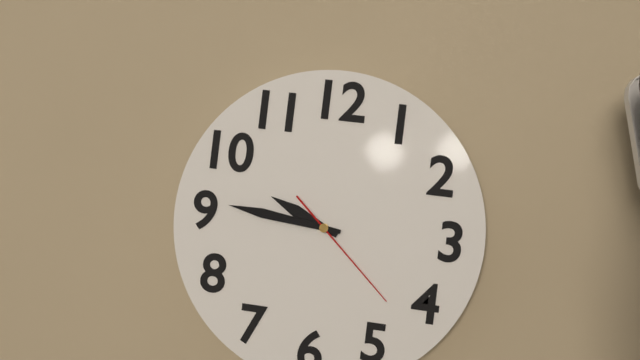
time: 9:46:22
